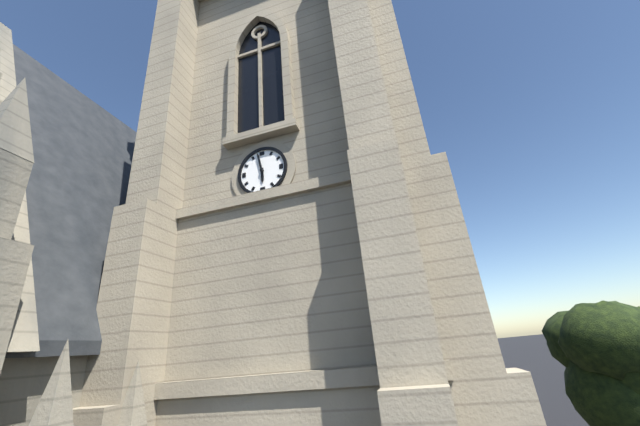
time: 5:58
